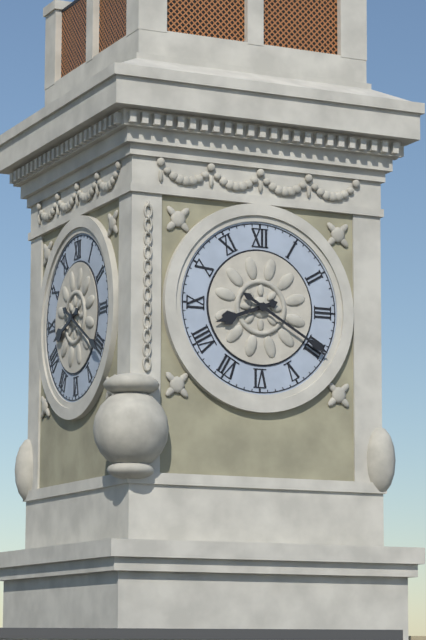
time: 8:20
